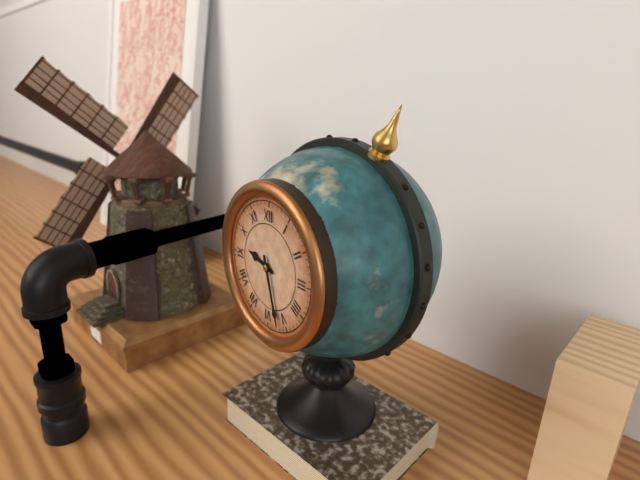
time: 9:27
